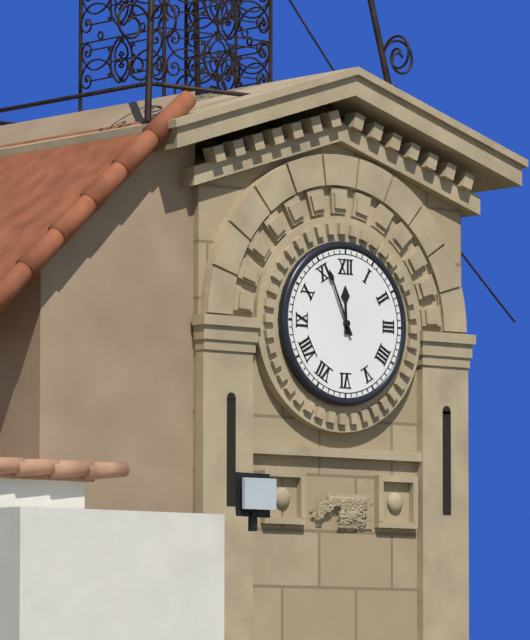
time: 11:56
